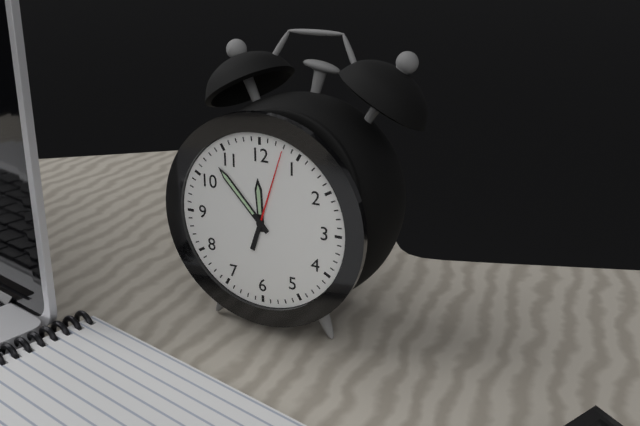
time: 11:53:03
